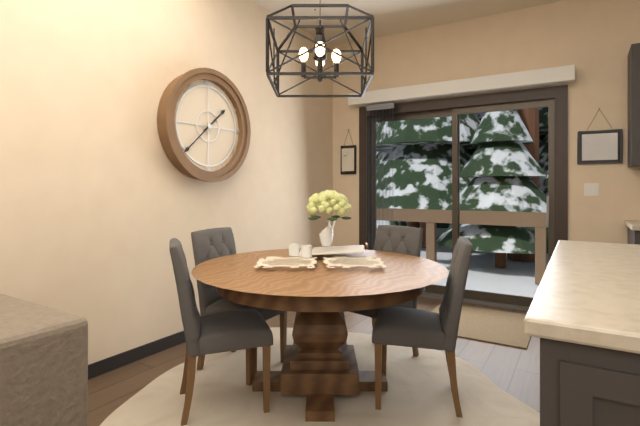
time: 1:38
